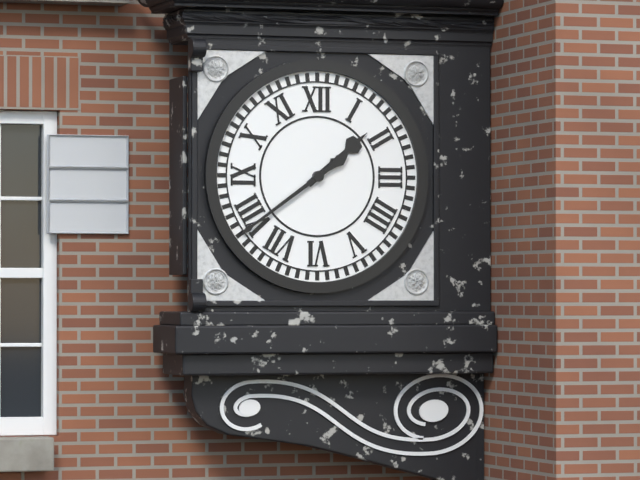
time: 1:39
